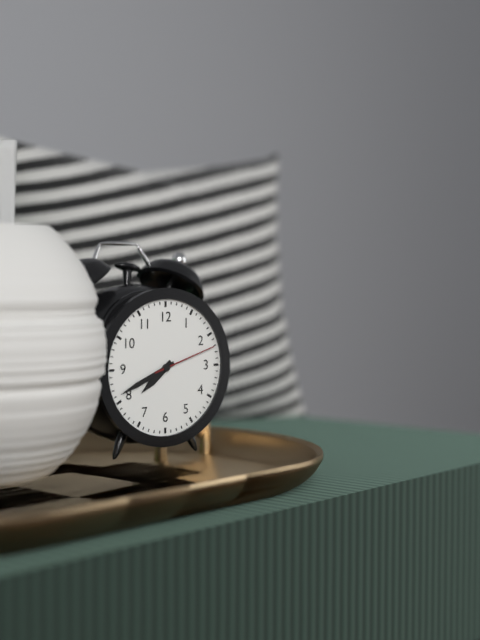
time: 7:41:12
